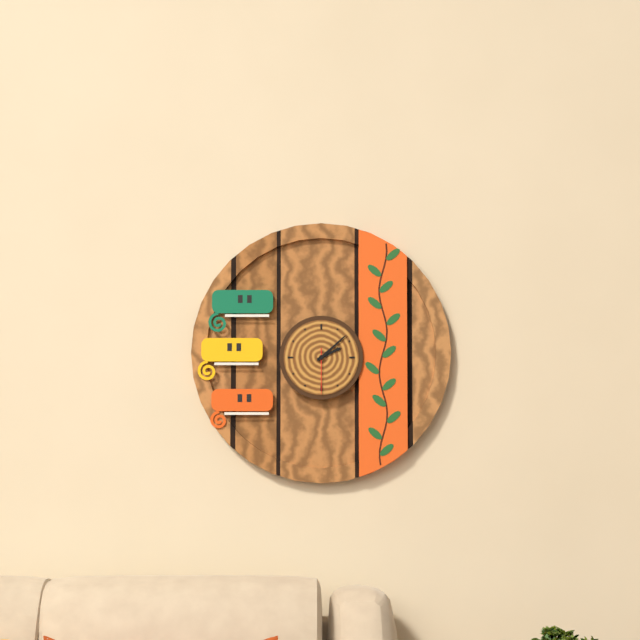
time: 2:08
